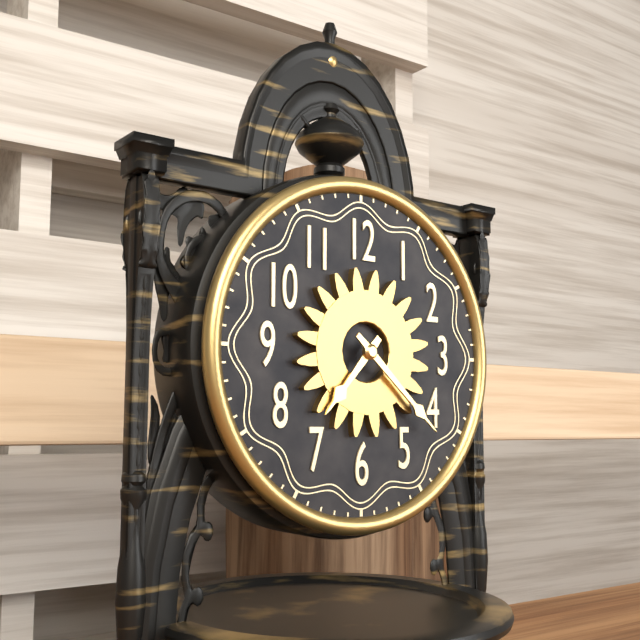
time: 7:22
